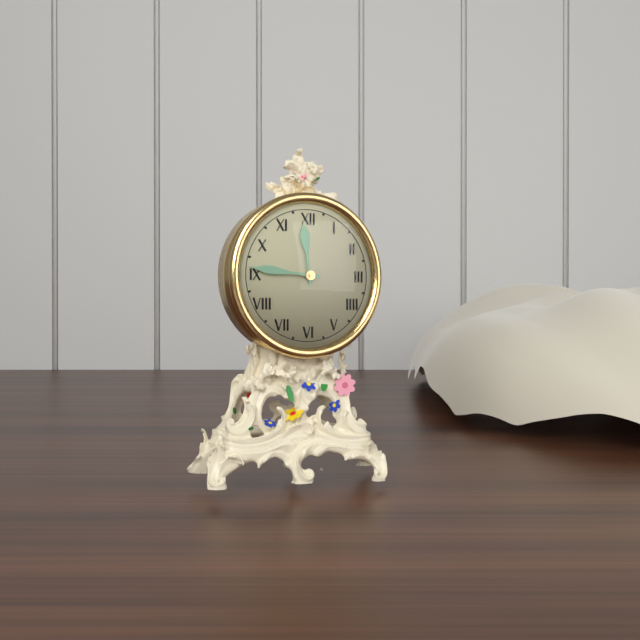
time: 11:46
